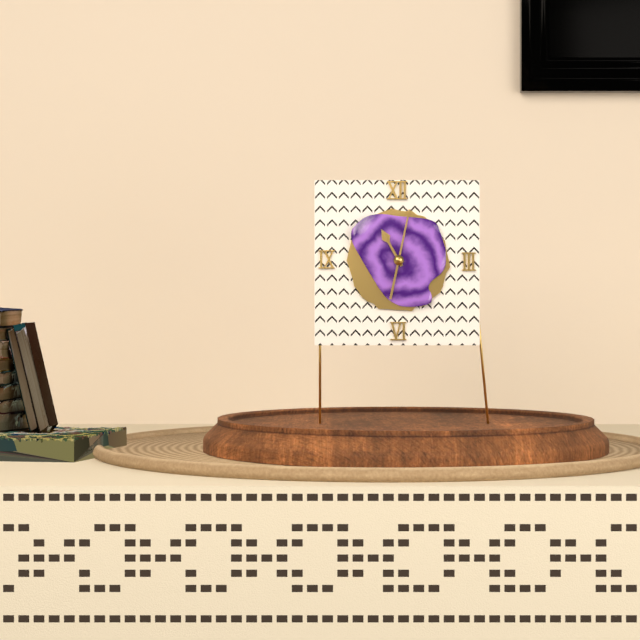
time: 11:02
